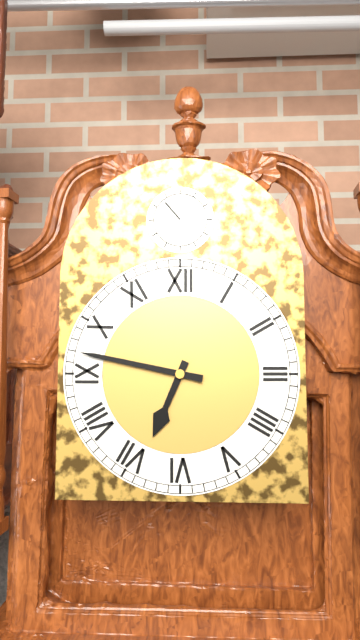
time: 6:47
